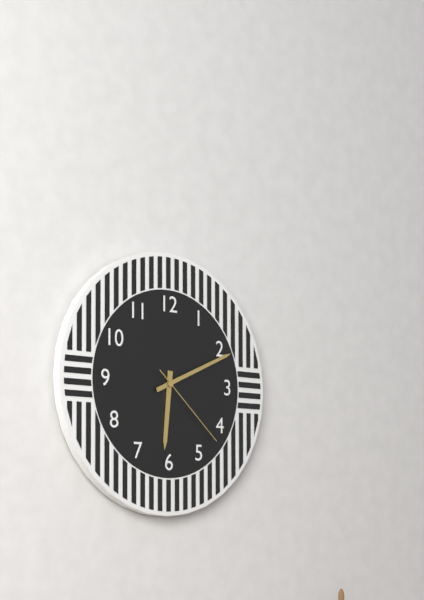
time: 6:11:22
